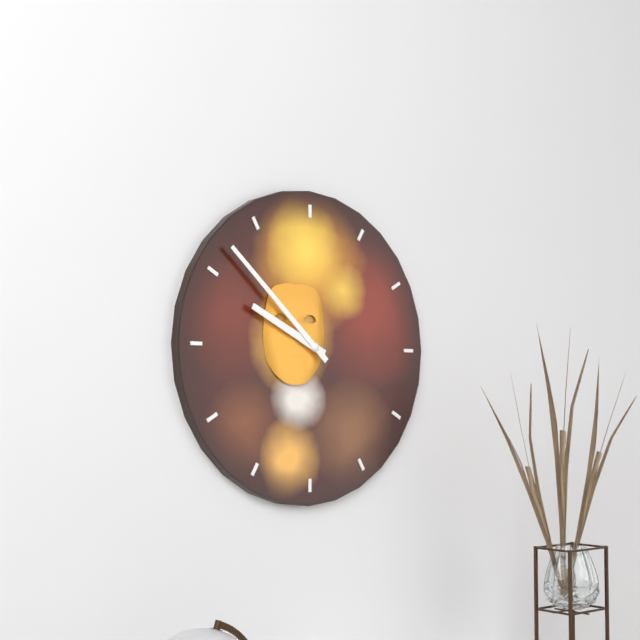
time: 9:52
